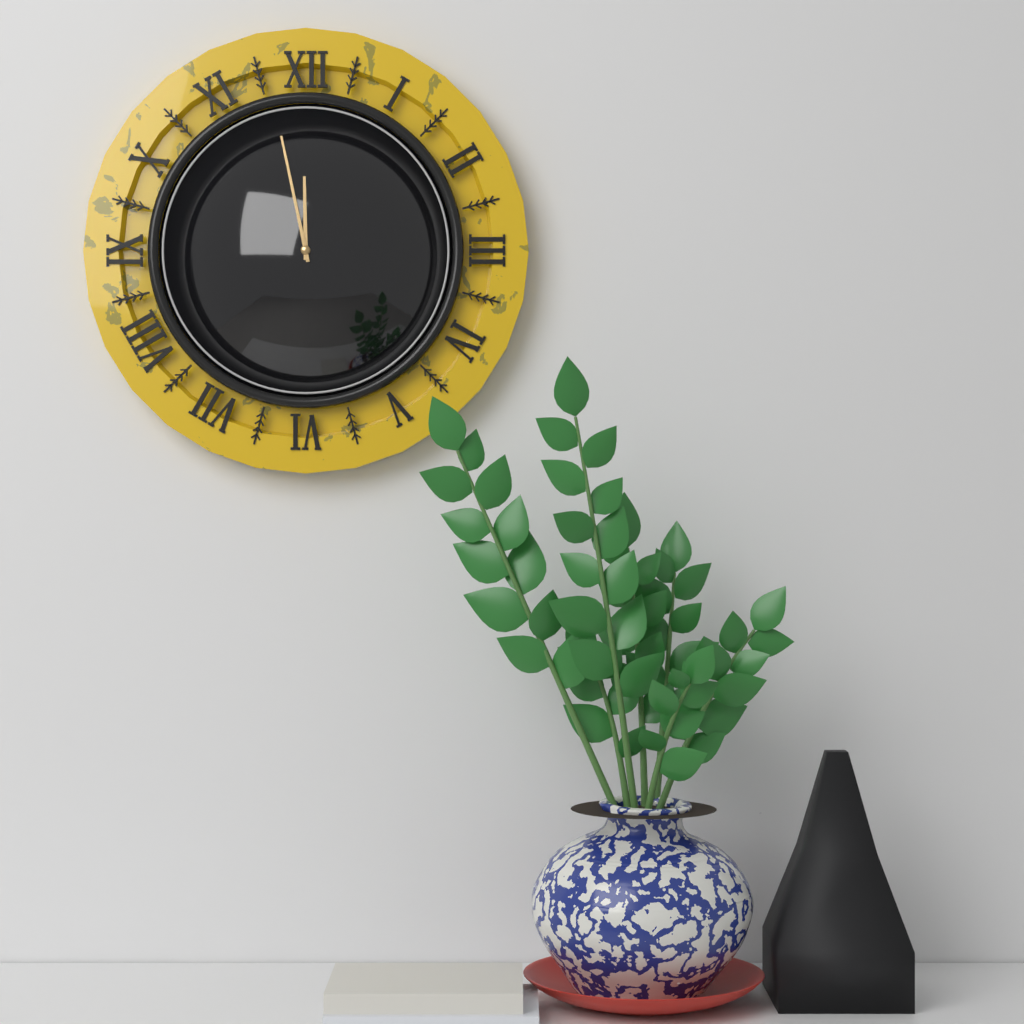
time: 11:58
